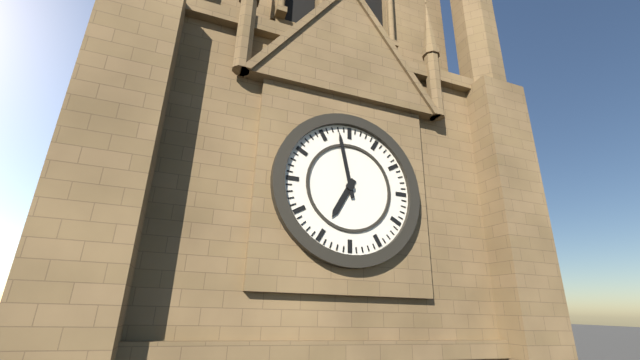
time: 6:58
